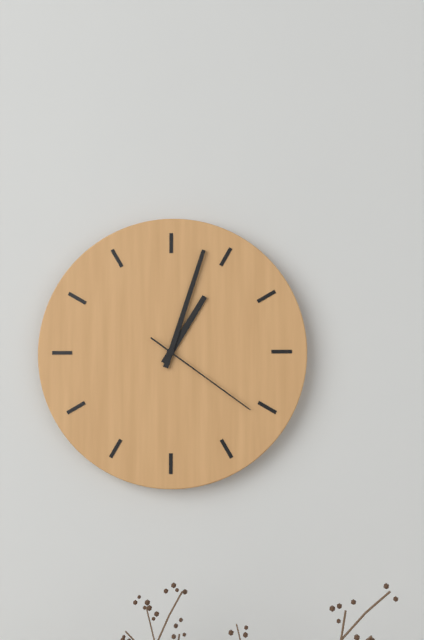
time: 1:03:21
